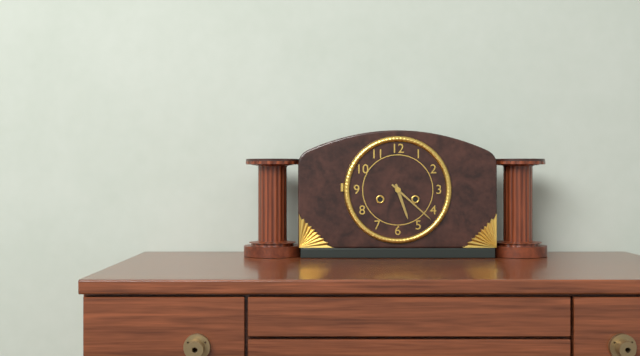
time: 5:22
